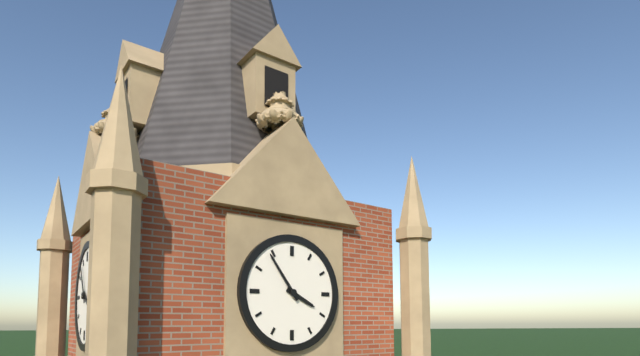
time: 3:54
